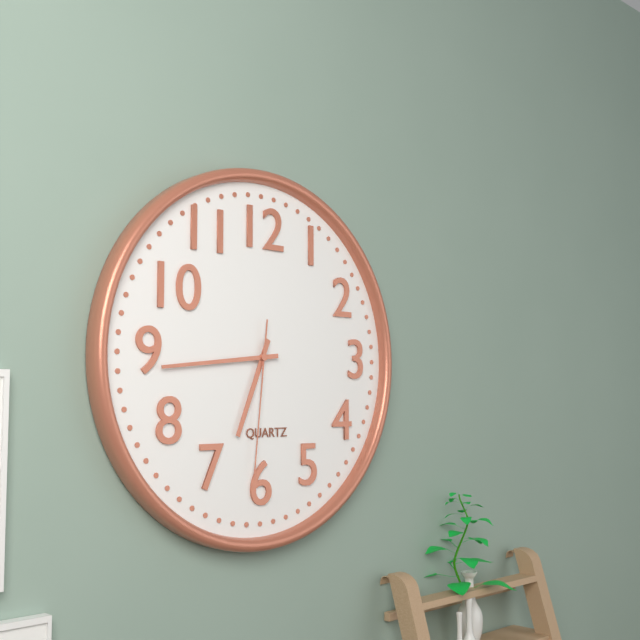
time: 6:44:31
